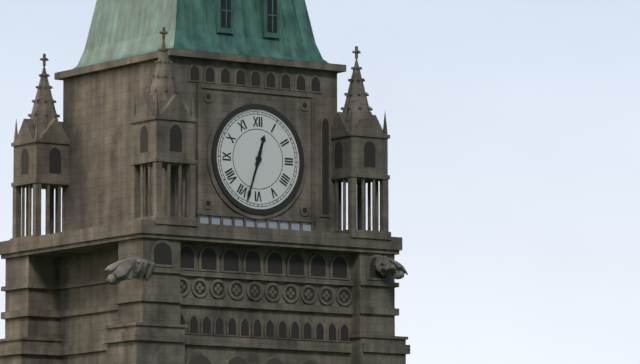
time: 12:33
